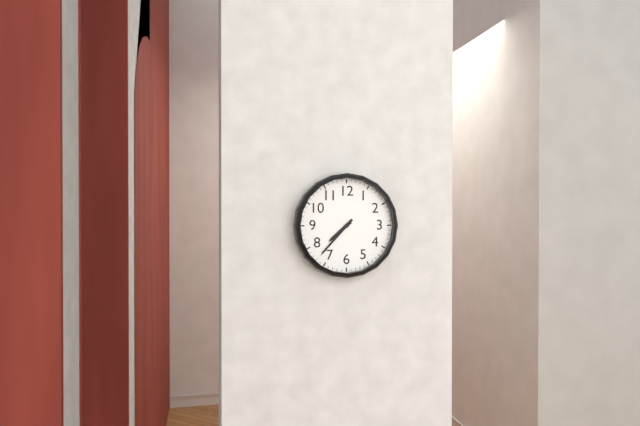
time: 7:37
